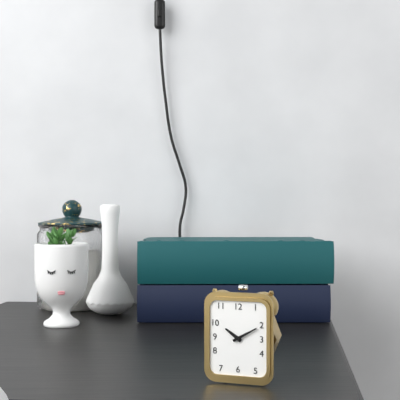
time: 10:10
